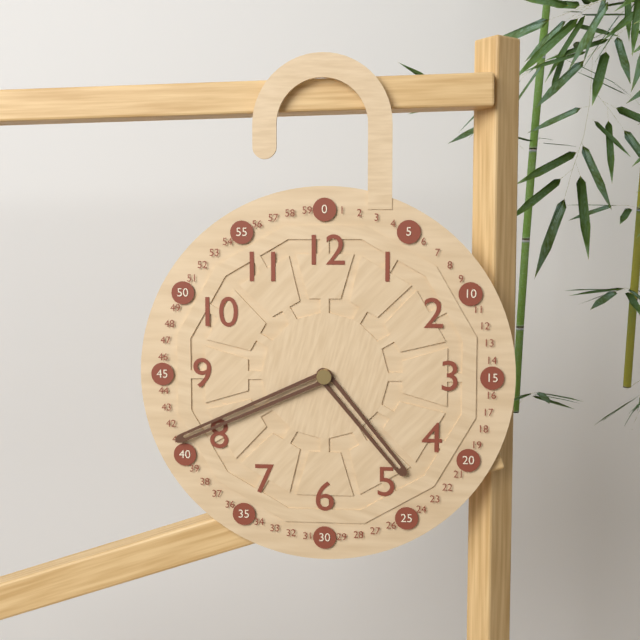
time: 4:41
